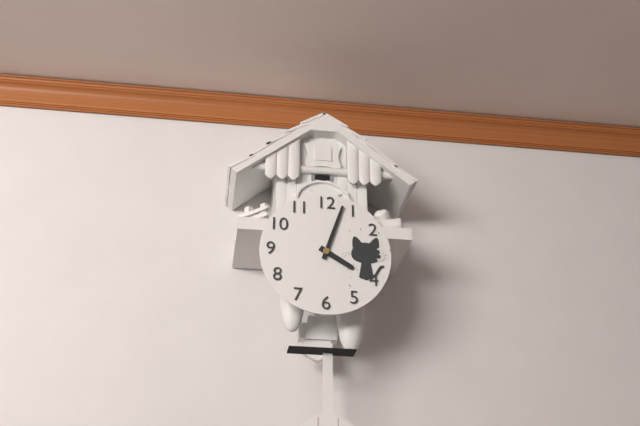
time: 4:03
